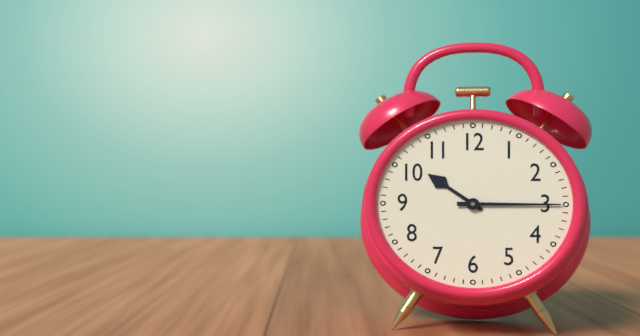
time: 10:15
